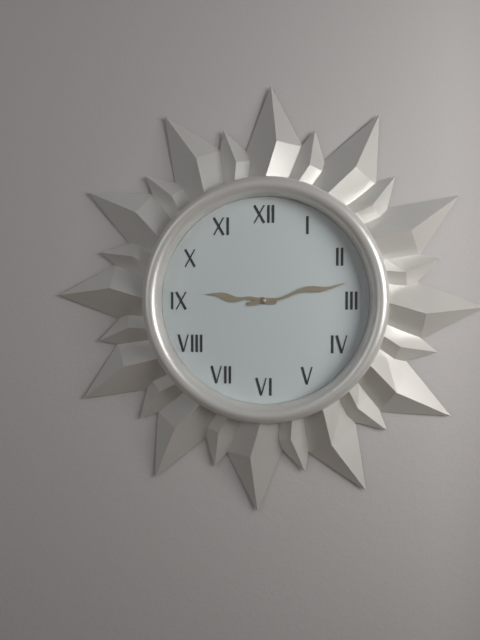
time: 9:13
